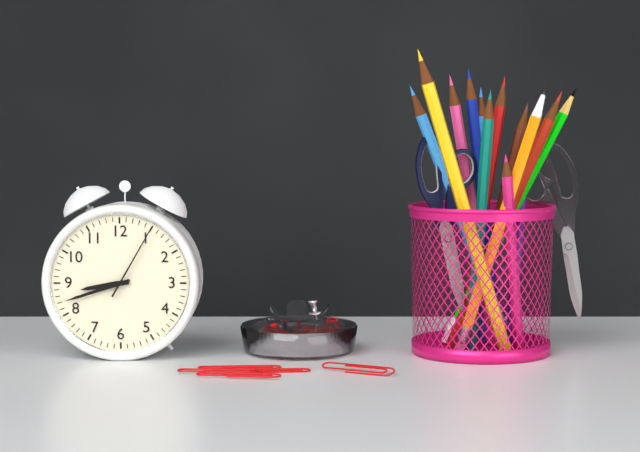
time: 8:42:05
